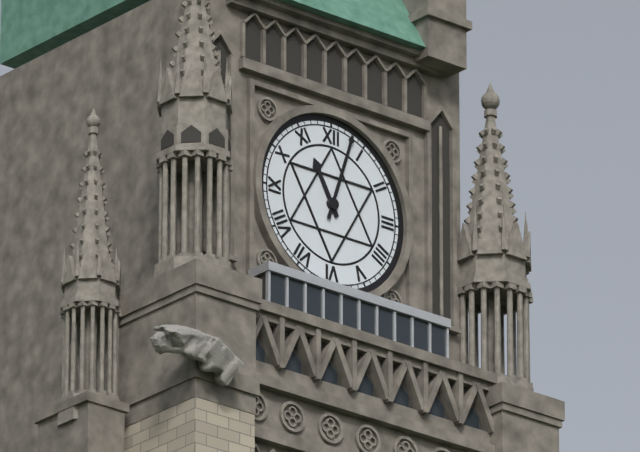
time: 11:03
